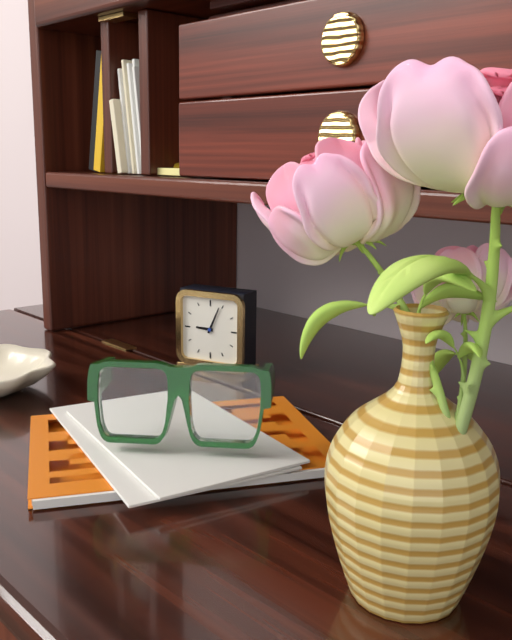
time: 9:04
